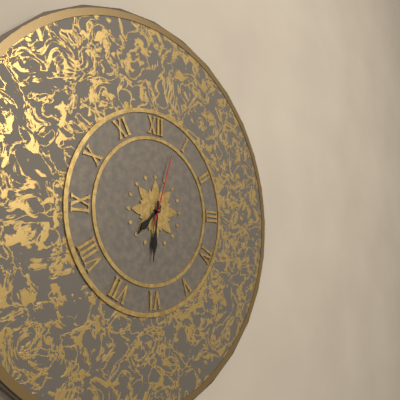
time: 7:31:03
